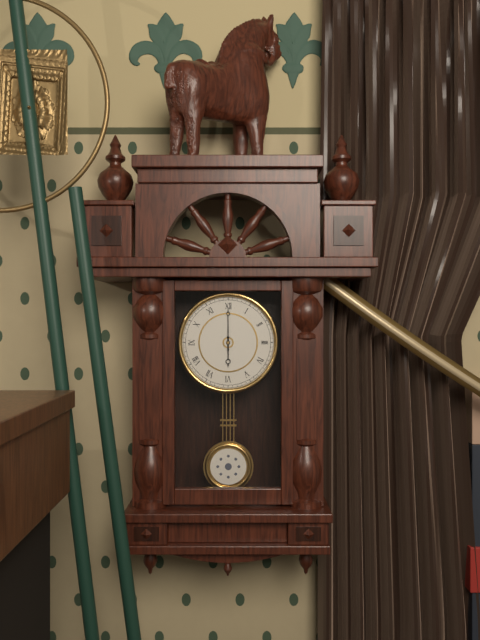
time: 6:00
